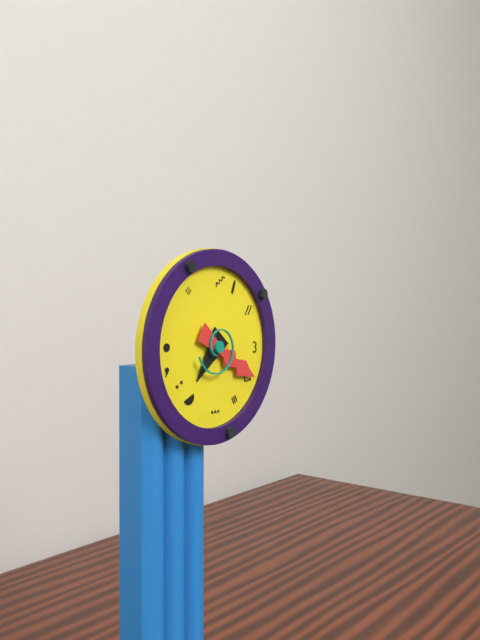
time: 7:20
